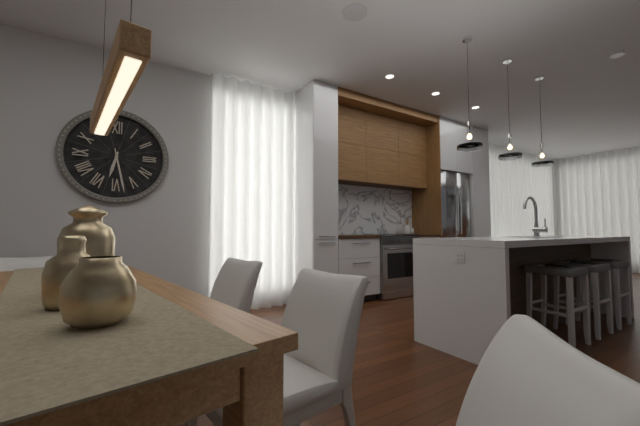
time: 6:28
